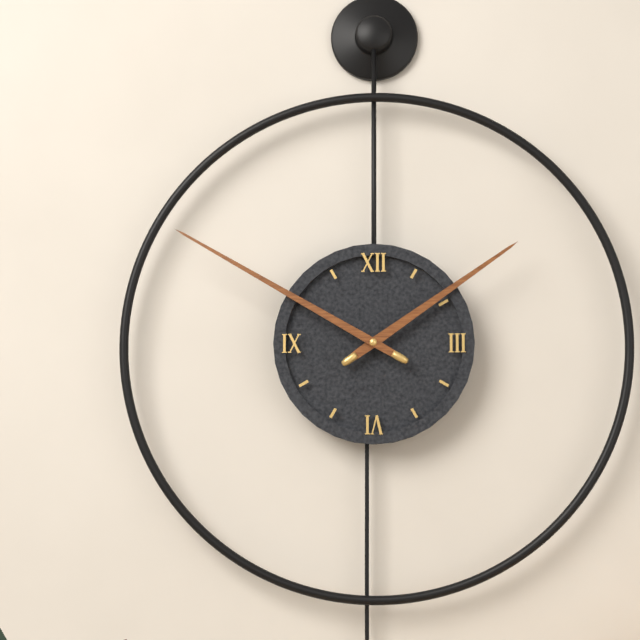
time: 1:50
